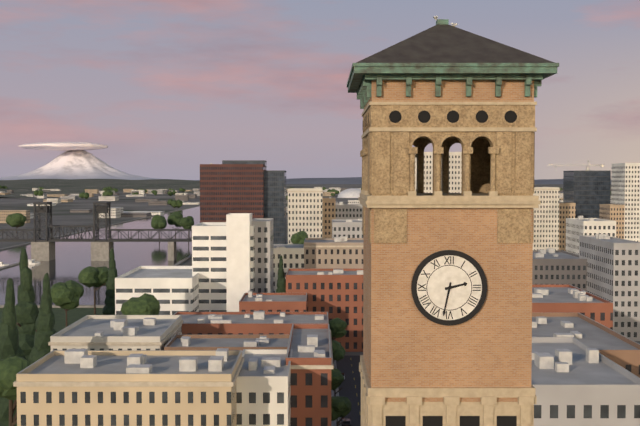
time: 2:32
